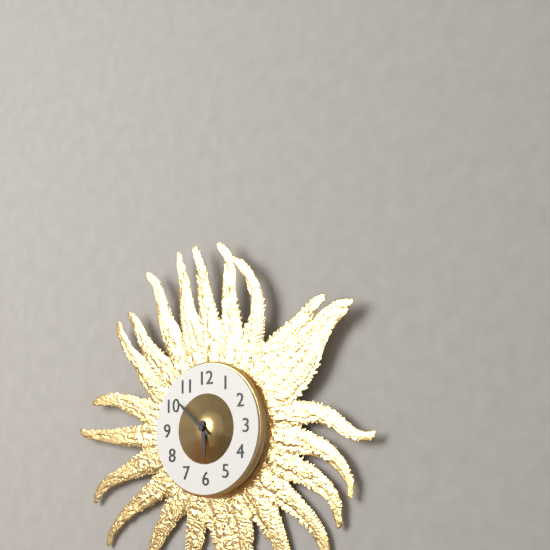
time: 5:52
